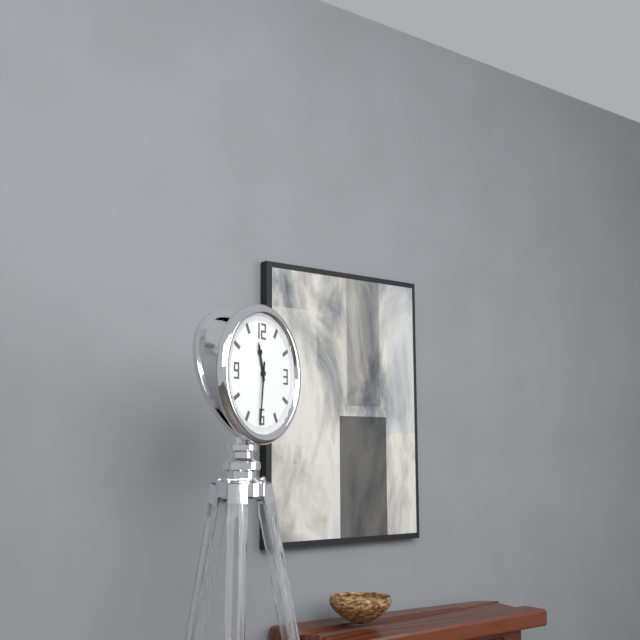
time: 11:31
